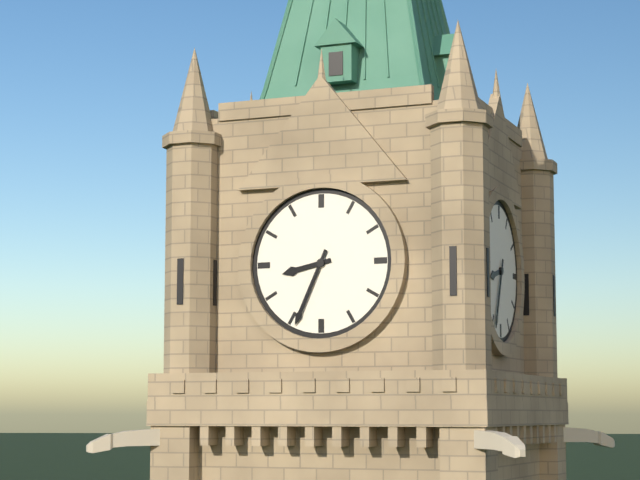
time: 8:34
